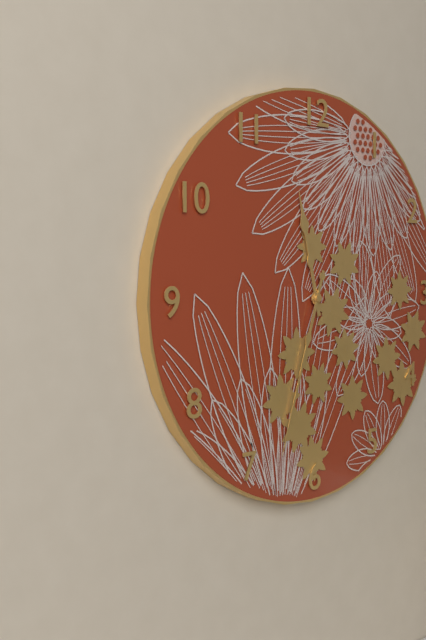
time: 11:33
